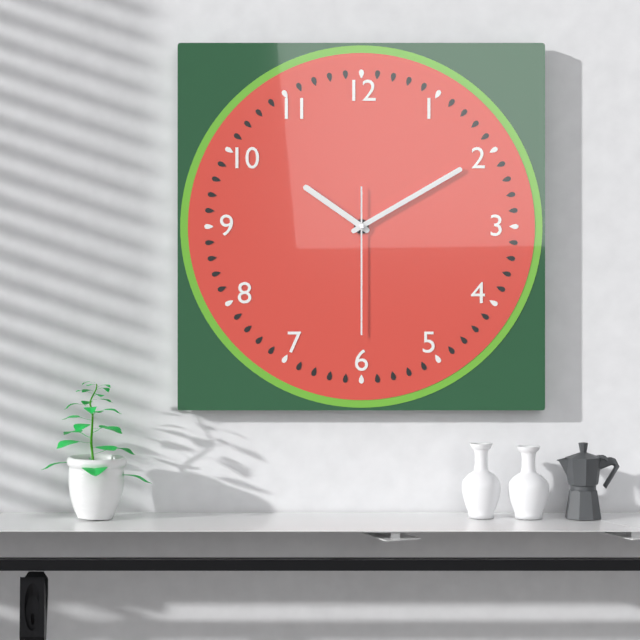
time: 10:10:30
